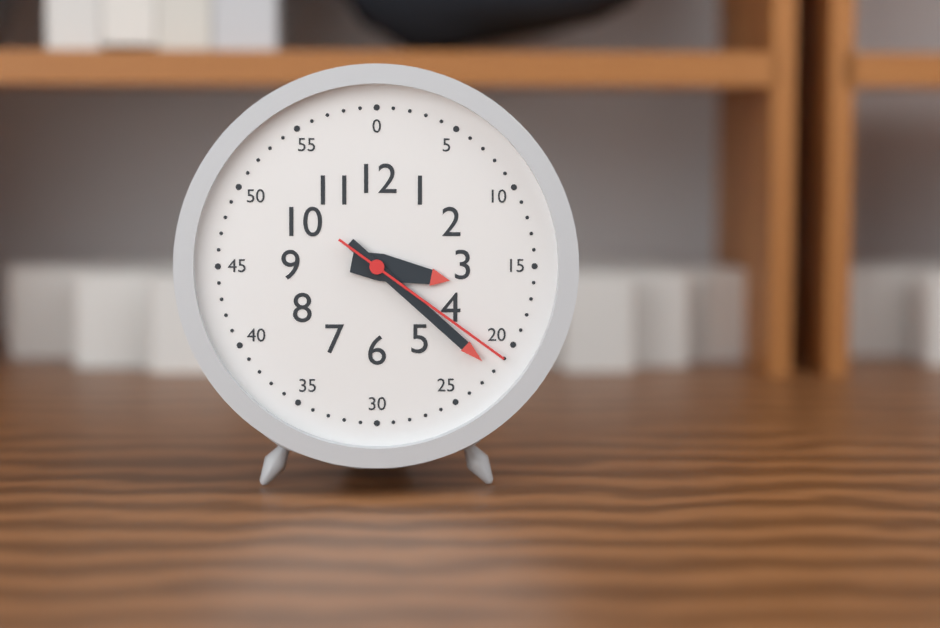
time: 3:22:21
